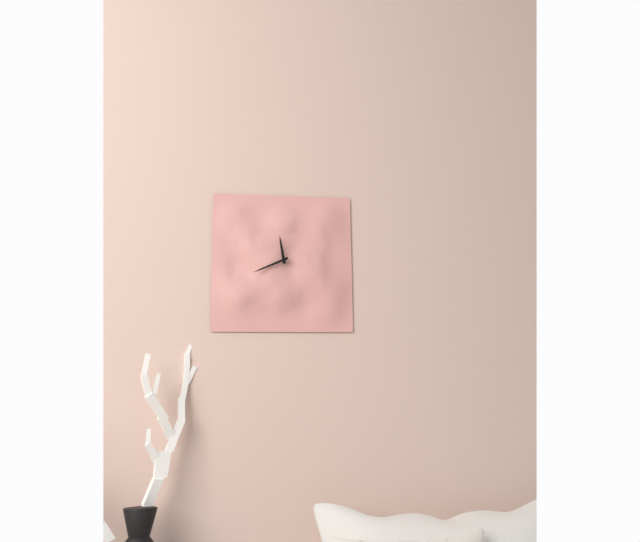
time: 11:41
